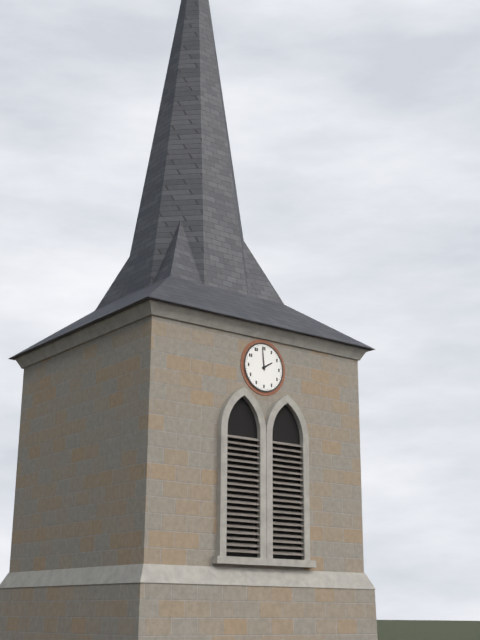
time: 1:59
